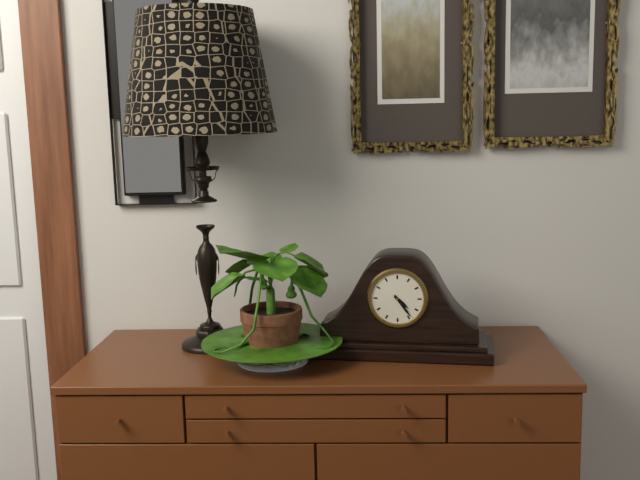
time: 4:24
